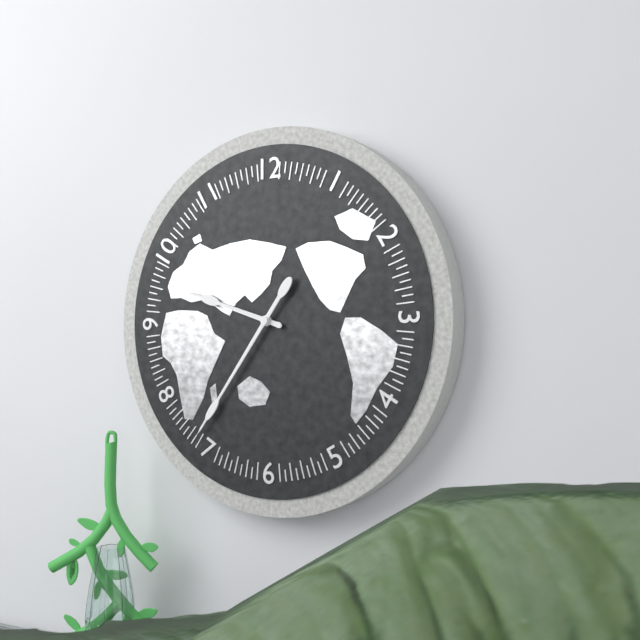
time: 9:36
